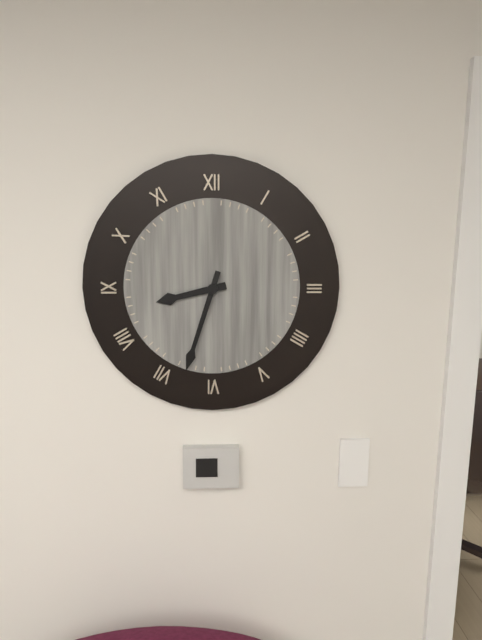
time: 8:33
